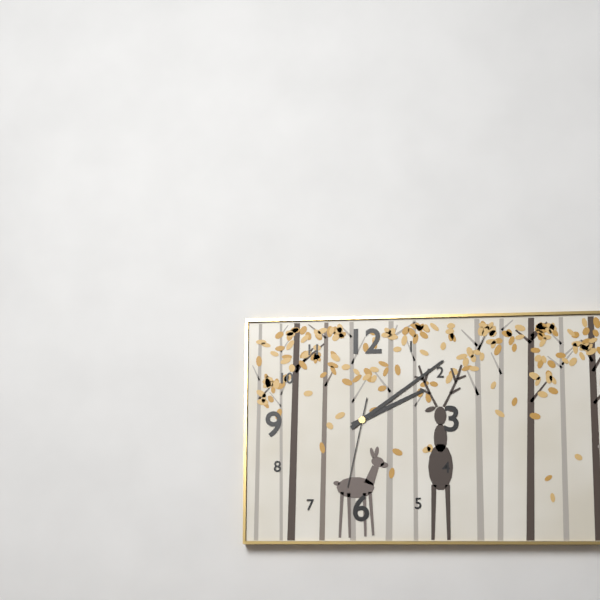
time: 2:09:32
